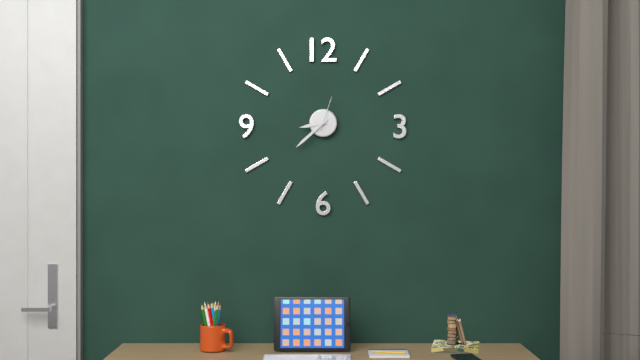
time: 8:38
